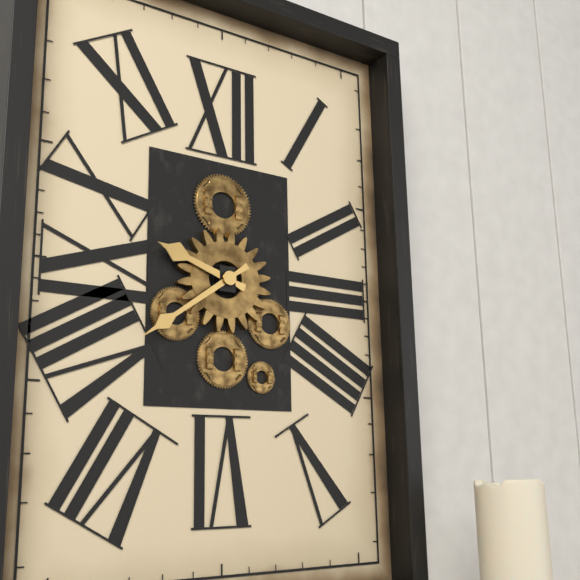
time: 9:39
